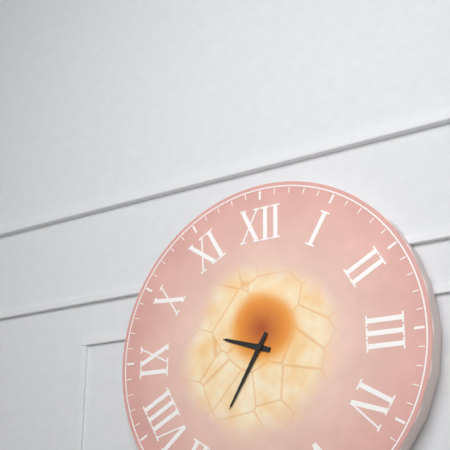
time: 9:35
